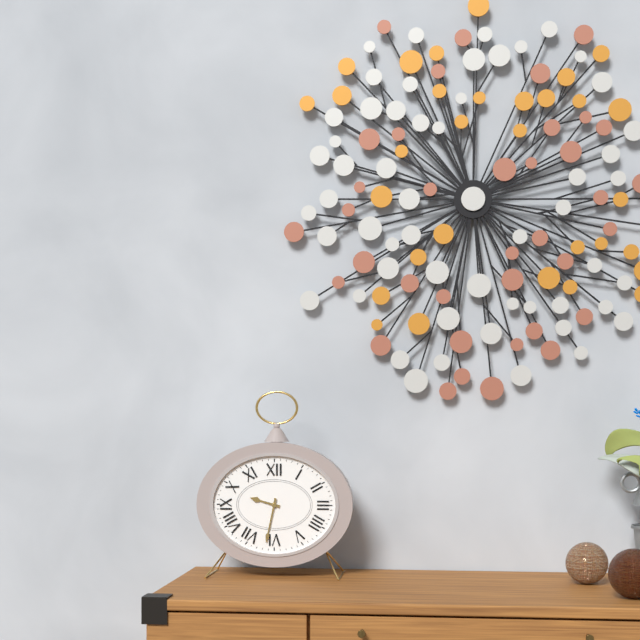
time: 9:32
